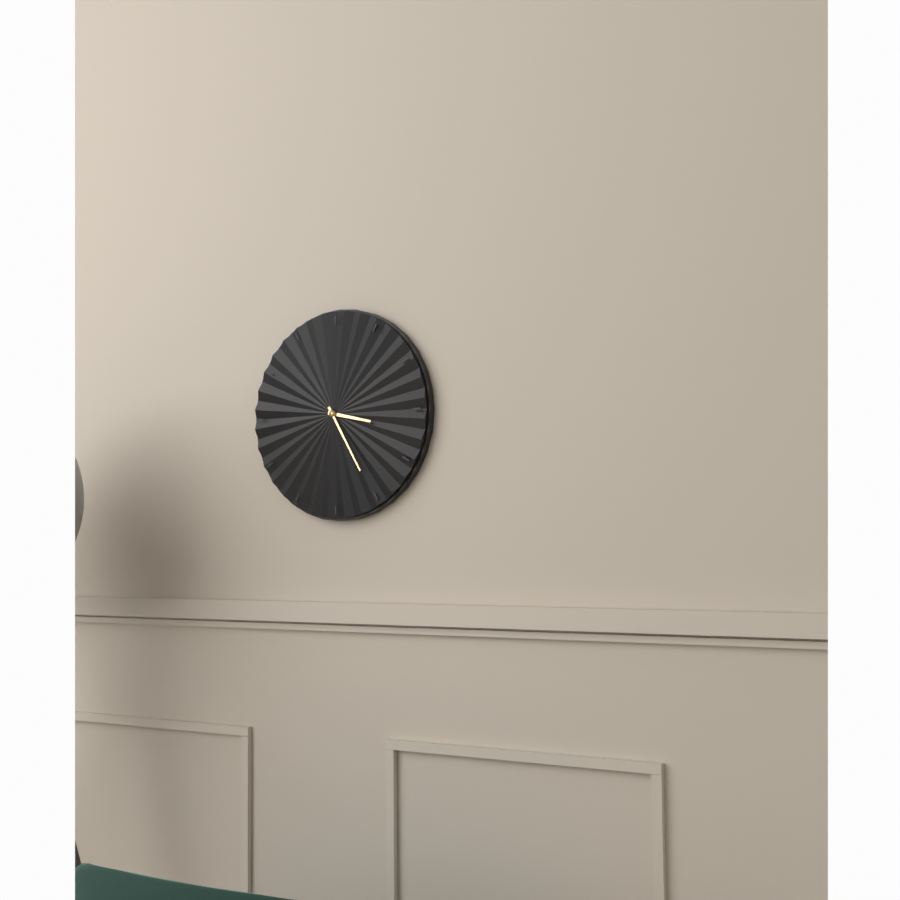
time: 3:25
